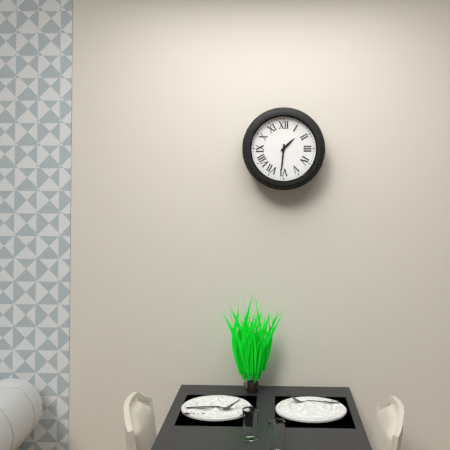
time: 1:31
